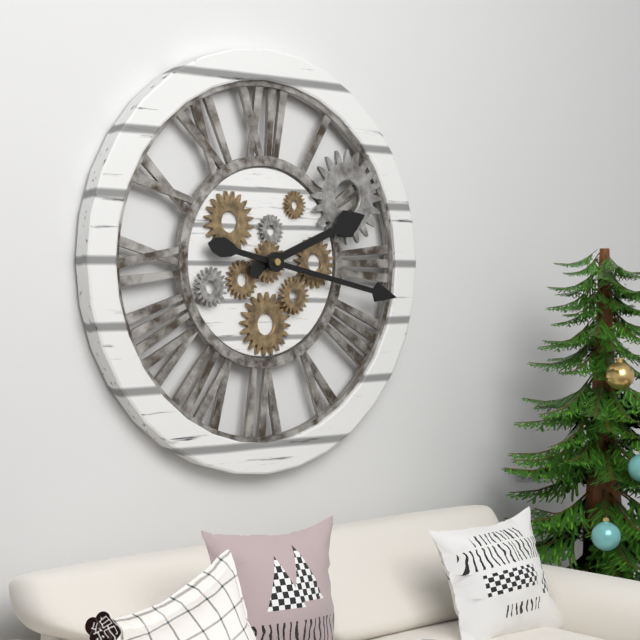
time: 2:17
